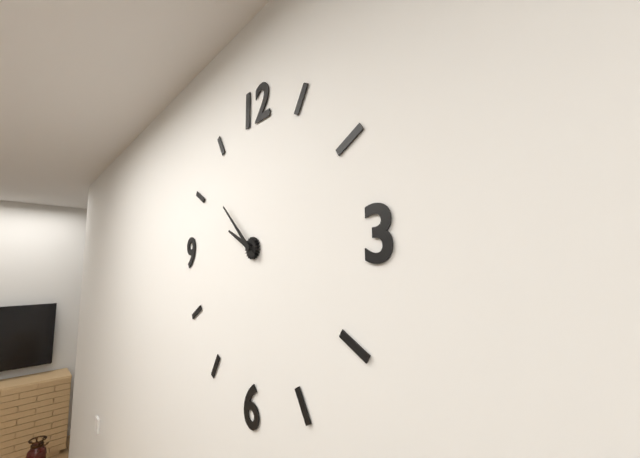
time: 9:52
